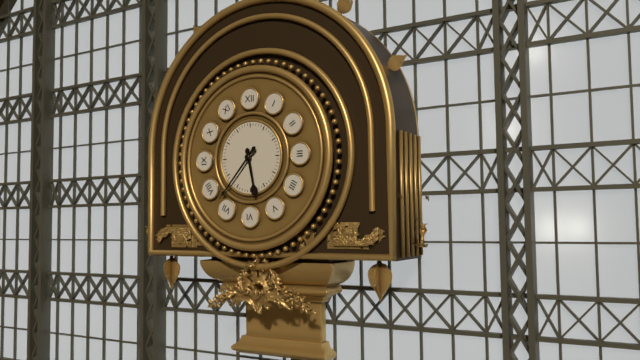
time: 5:37
